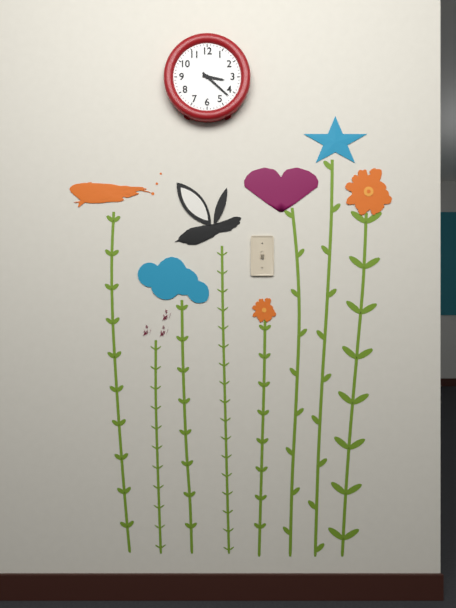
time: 3:22
